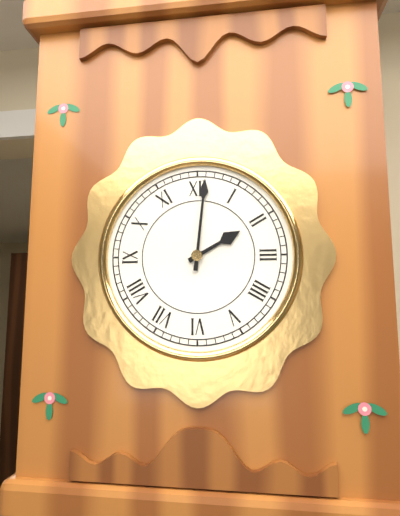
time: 2:01
